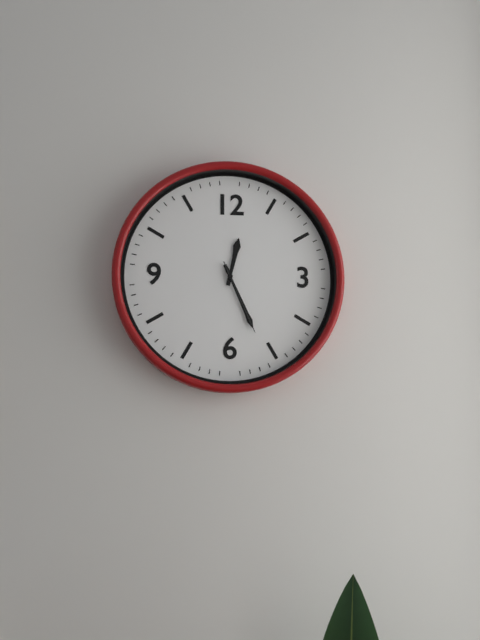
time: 12:26:26
